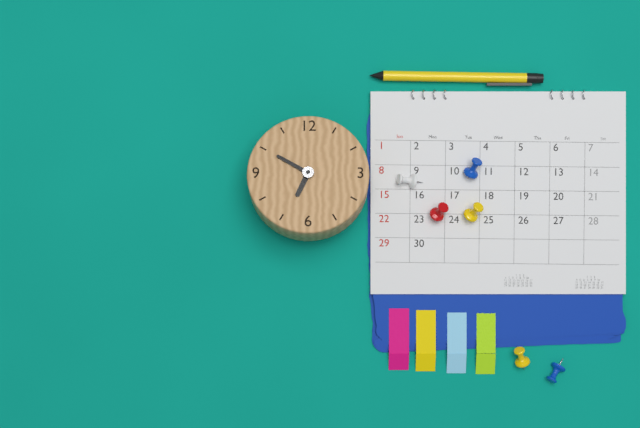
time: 6:50
